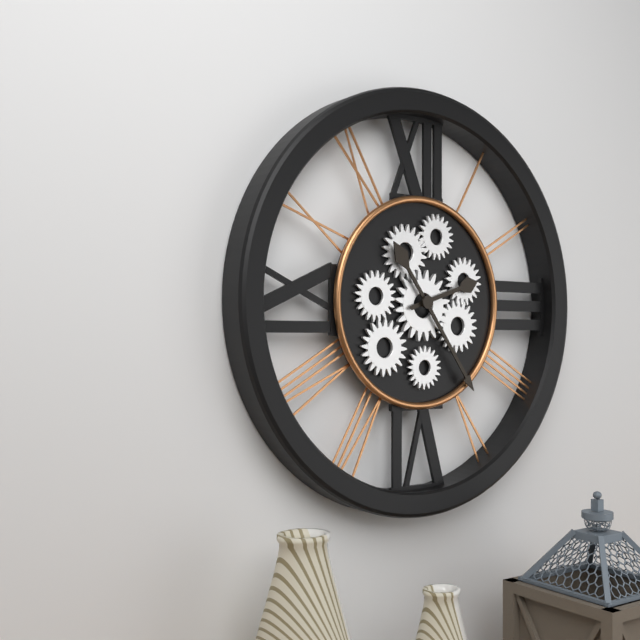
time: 2:24
